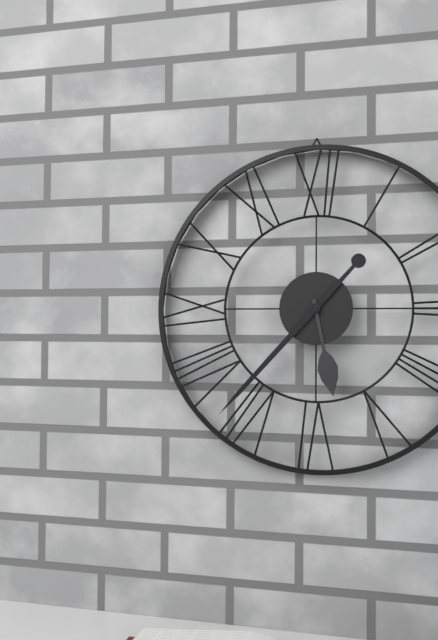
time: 5:37
